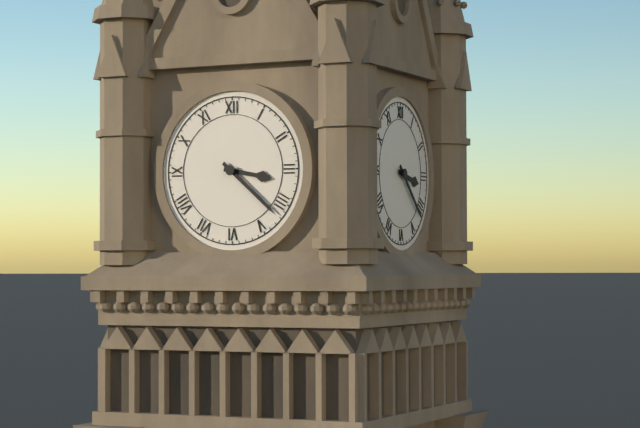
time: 3:22
